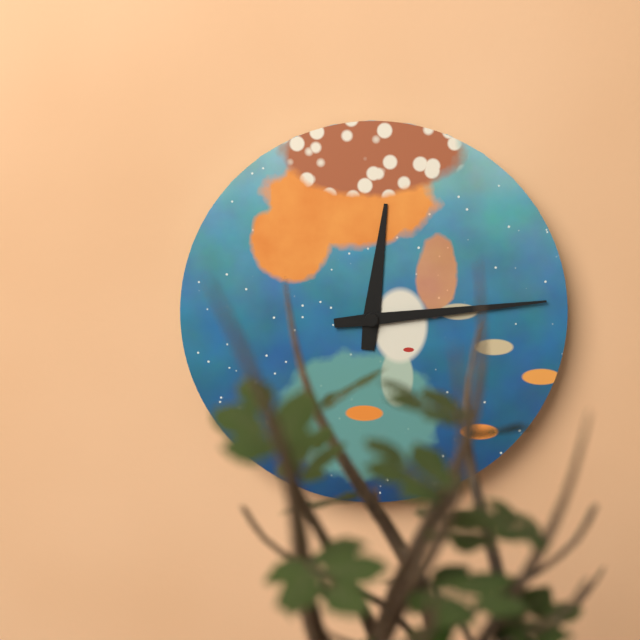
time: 12:14
